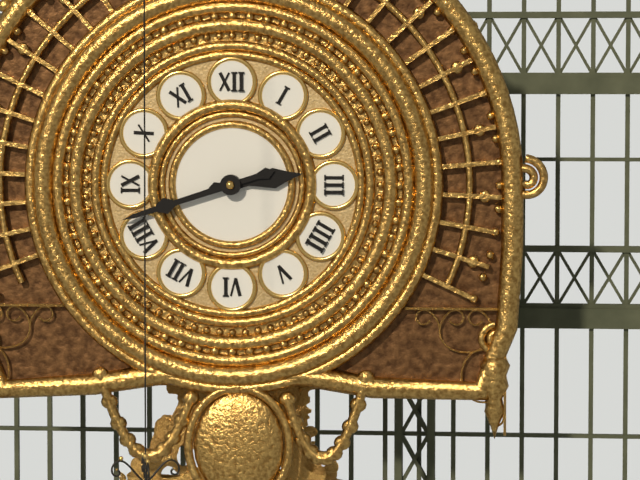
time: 2:42
